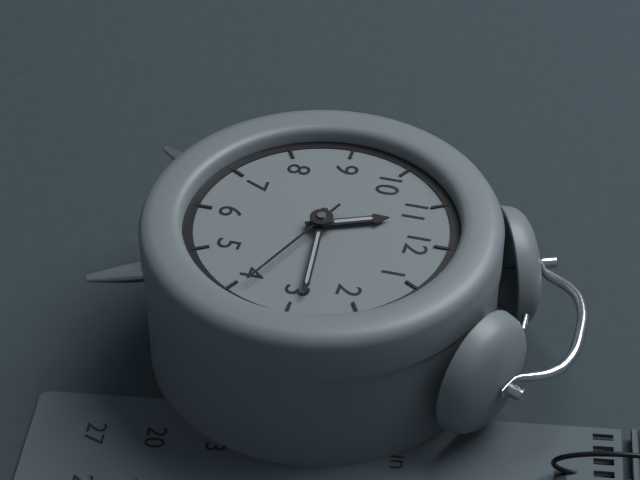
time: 11:14:19
